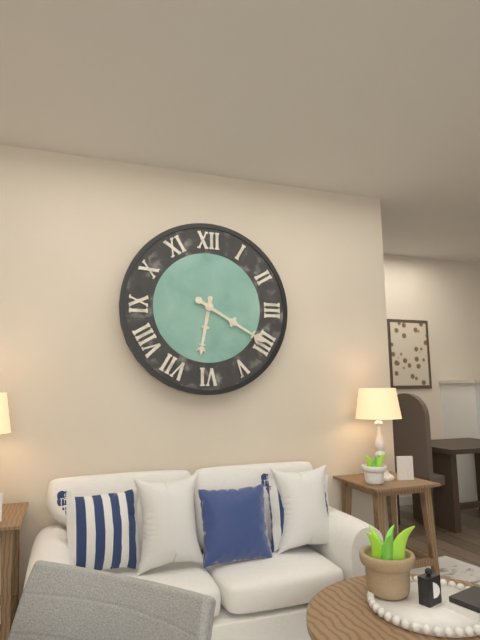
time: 6:20
